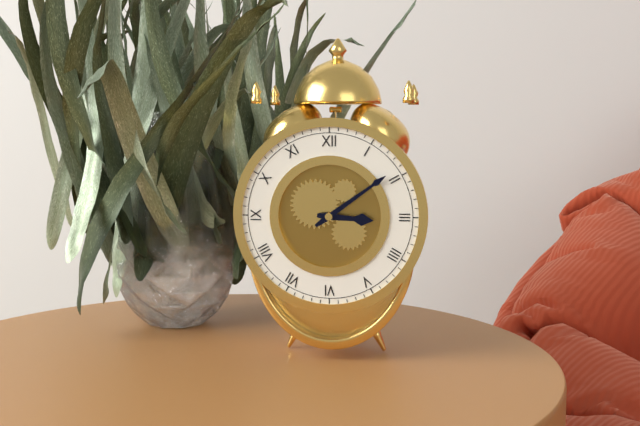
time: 3:09
